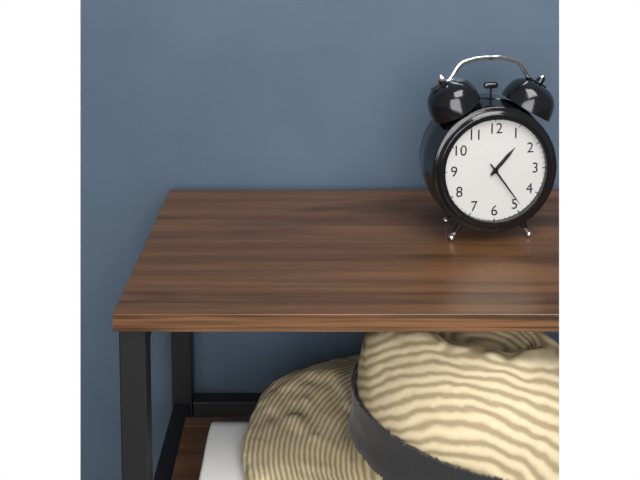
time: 1:24
